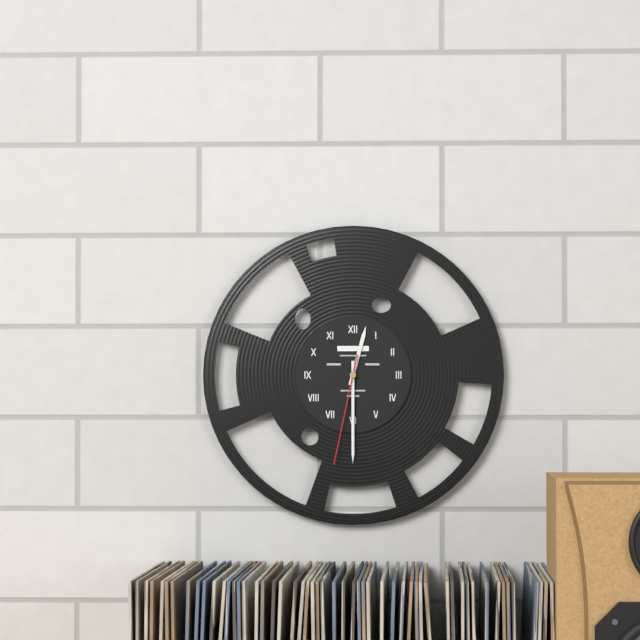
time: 12:30:32
